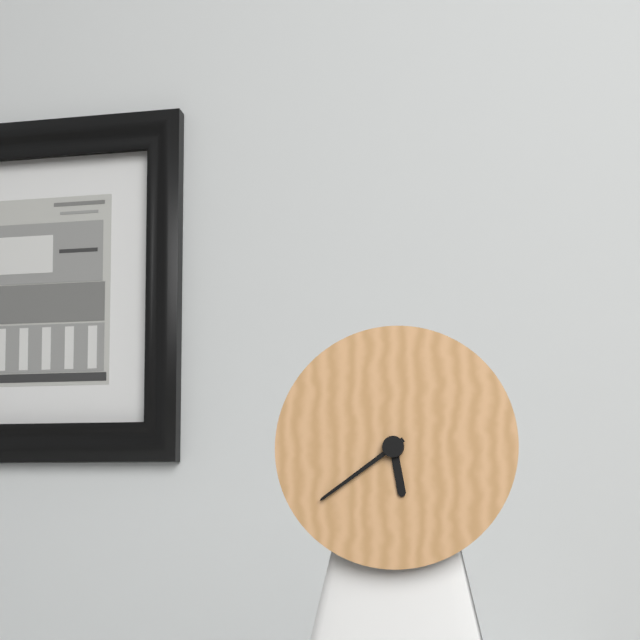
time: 5:39
